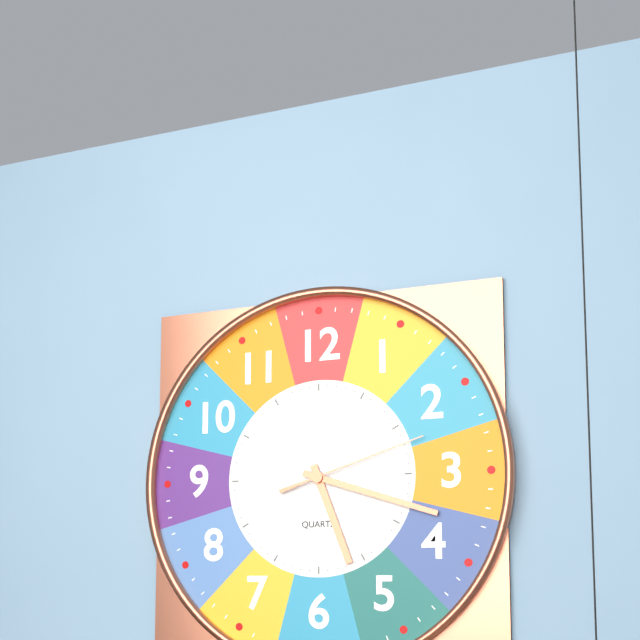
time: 5:18:12
